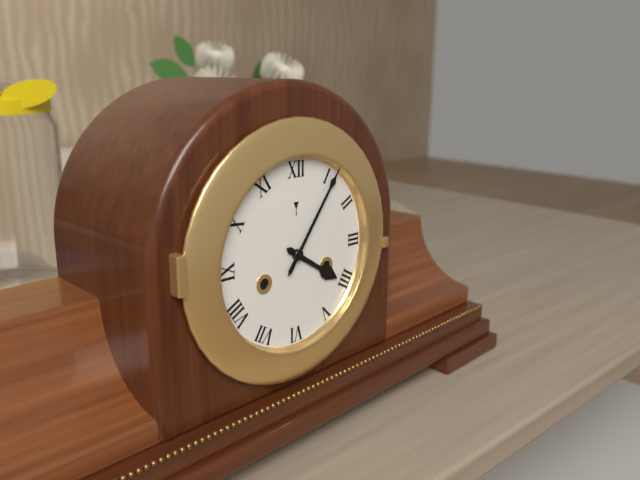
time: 4:06
